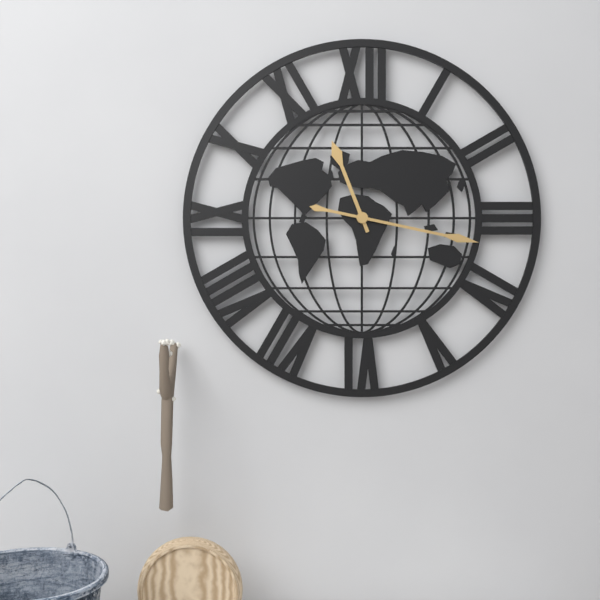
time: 11:17
